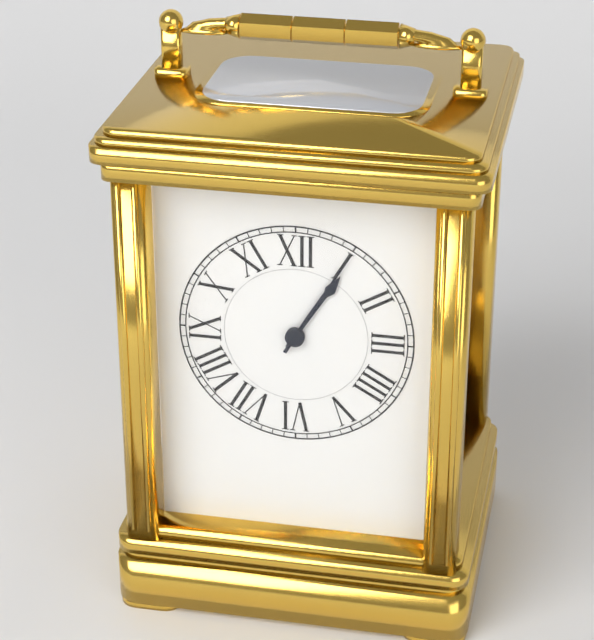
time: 1:05
